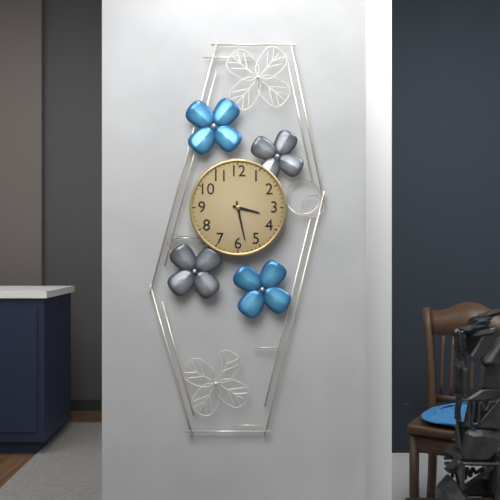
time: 3:28
